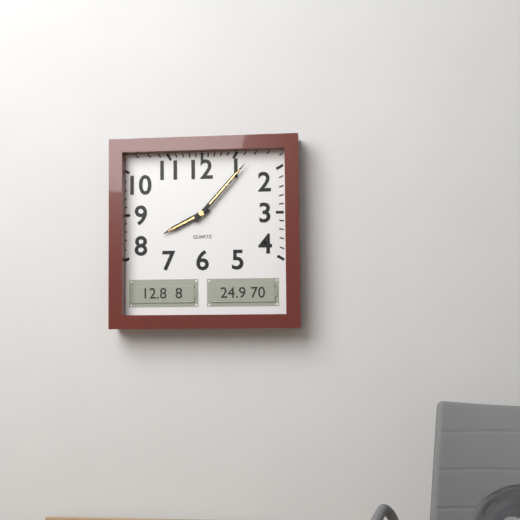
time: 8:07
